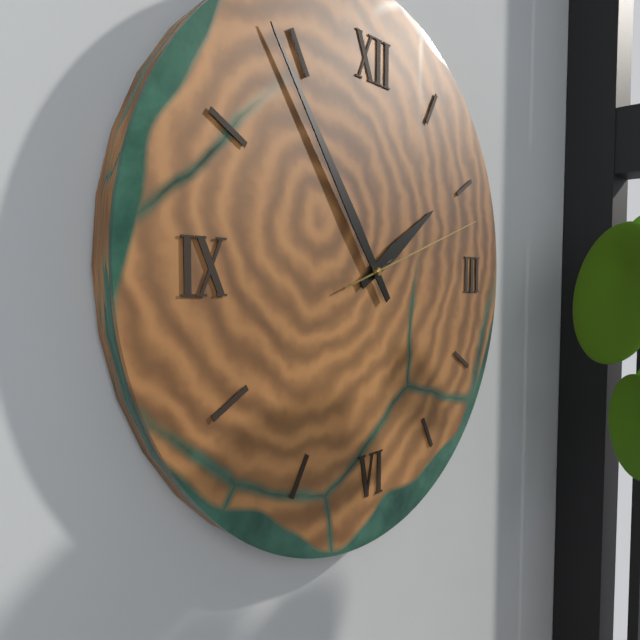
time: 1:54:12
